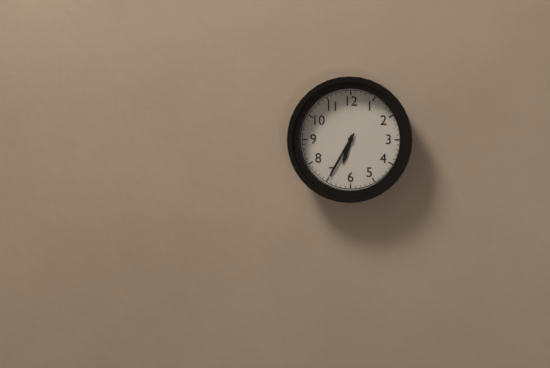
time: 6:35
